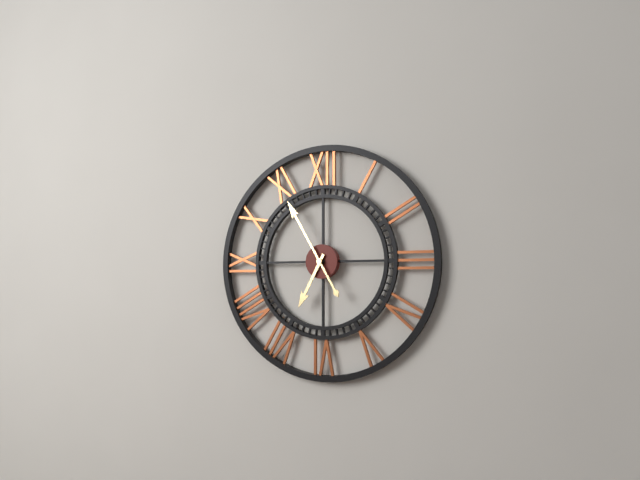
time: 6:55
